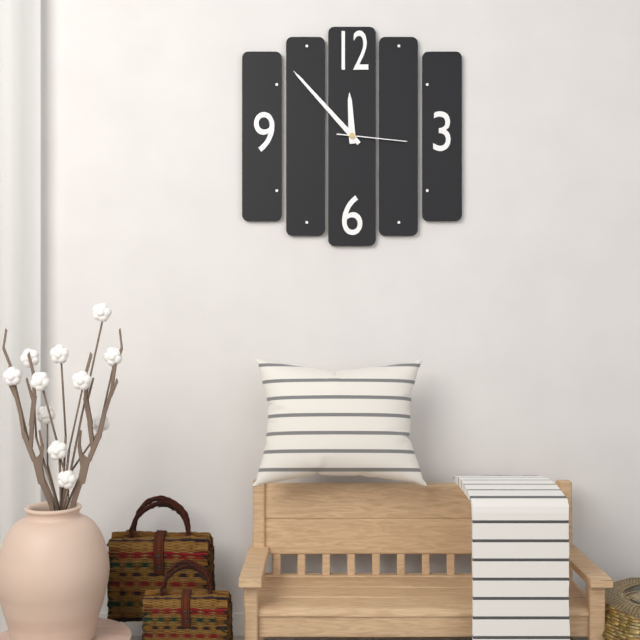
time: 11:53:16
